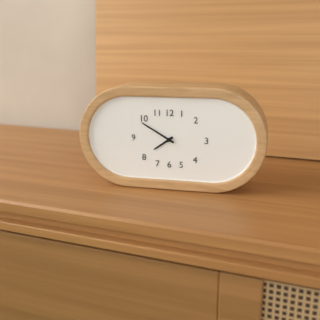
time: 7:50
